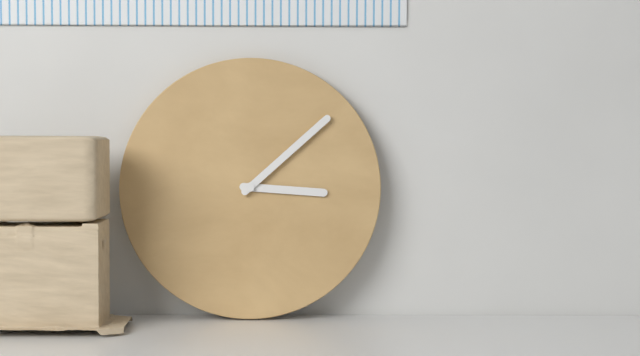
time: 3:08
